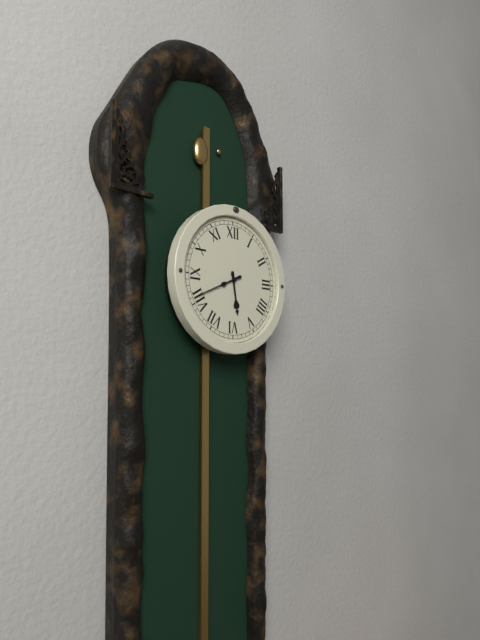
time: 5:41
